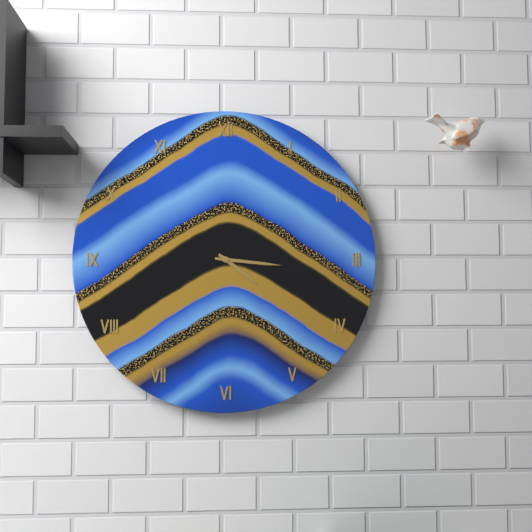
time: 4:16
